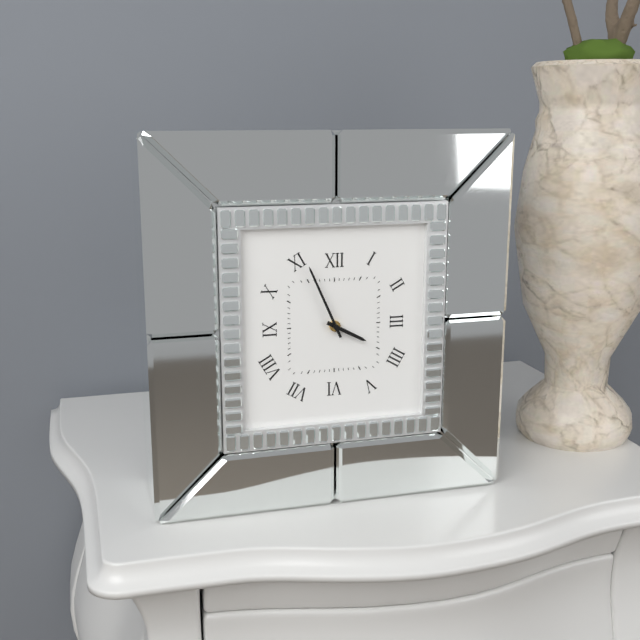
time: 3:56
